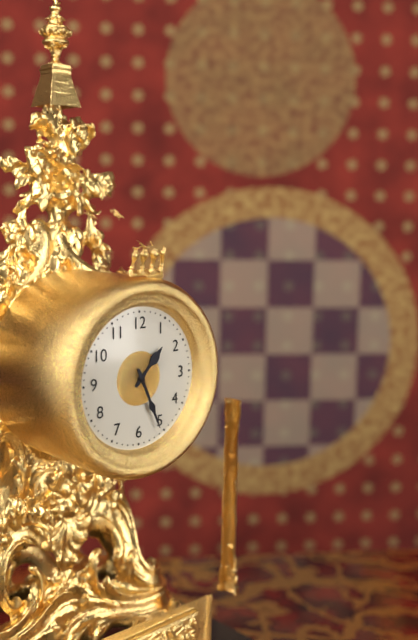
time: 1:26
